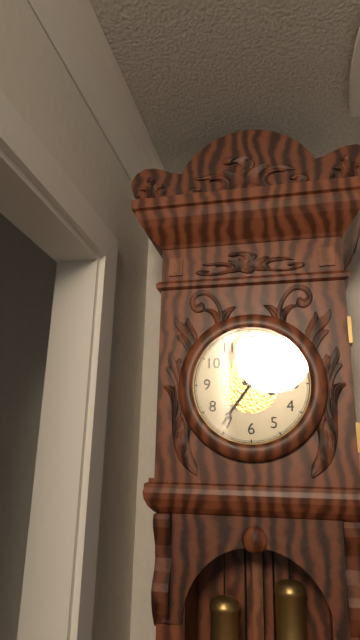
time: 3:36
